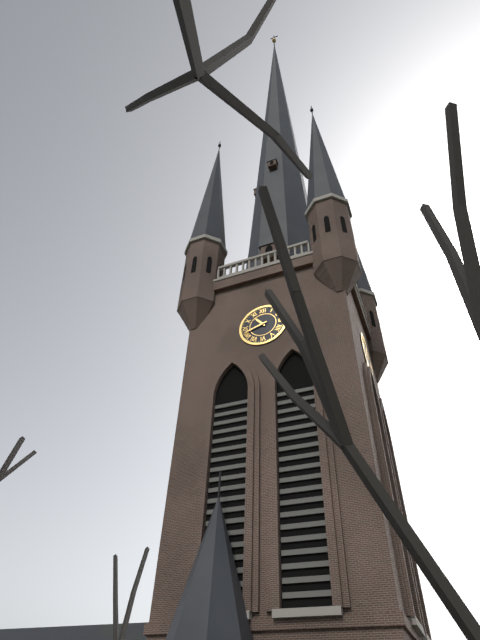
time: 10:42
